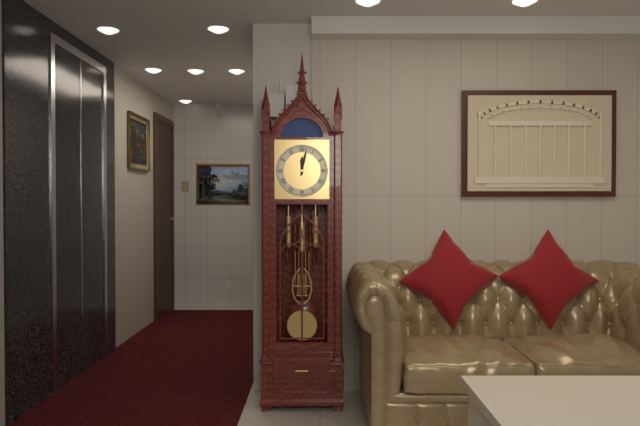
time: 12:02
